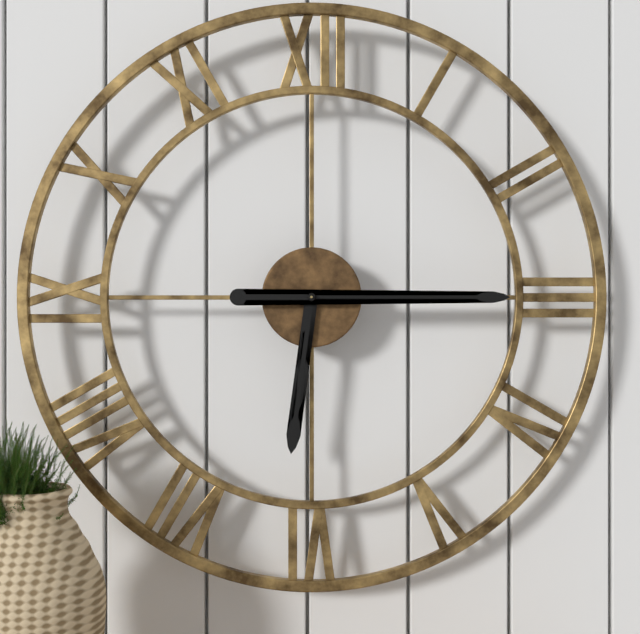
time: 6:15
